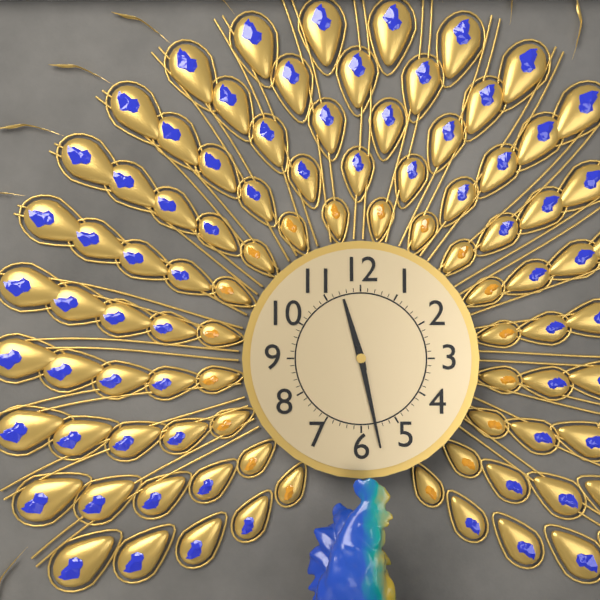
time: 11:28
